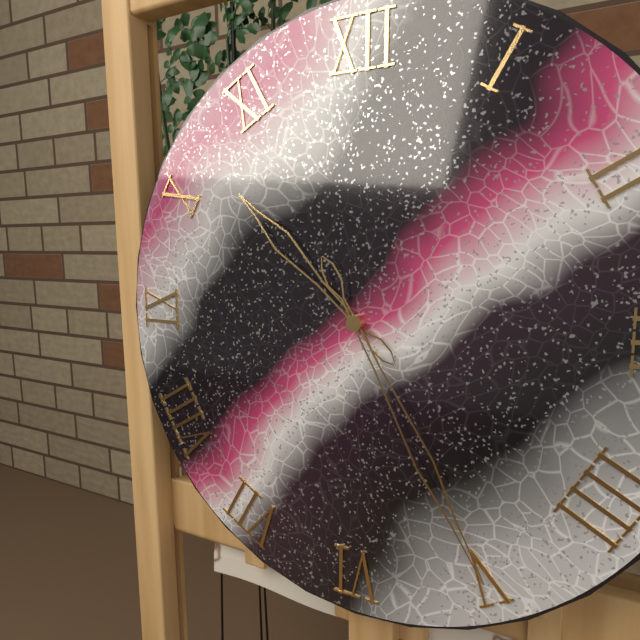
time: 10:25
